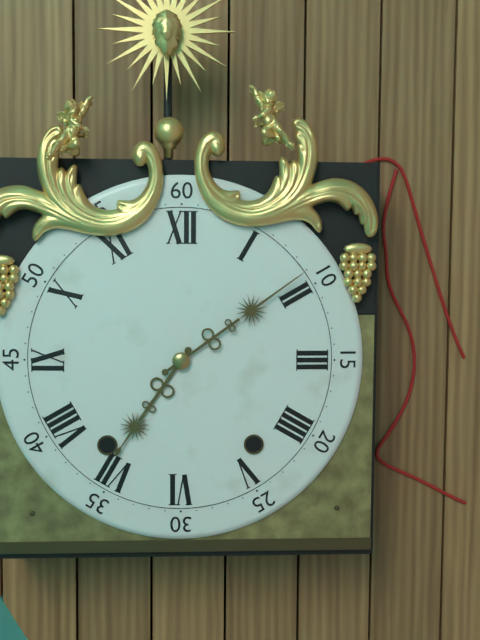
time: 7:09
